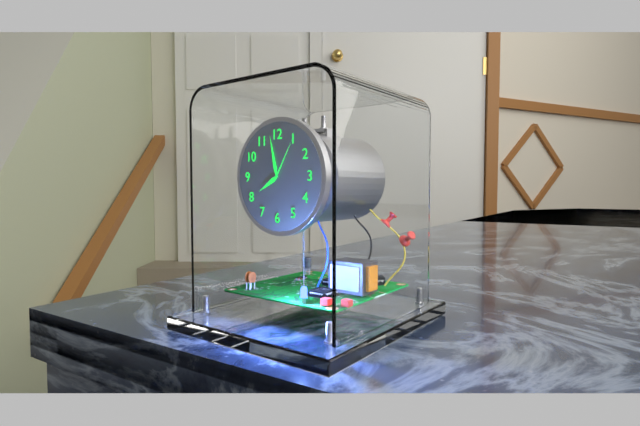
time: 7:58:05
